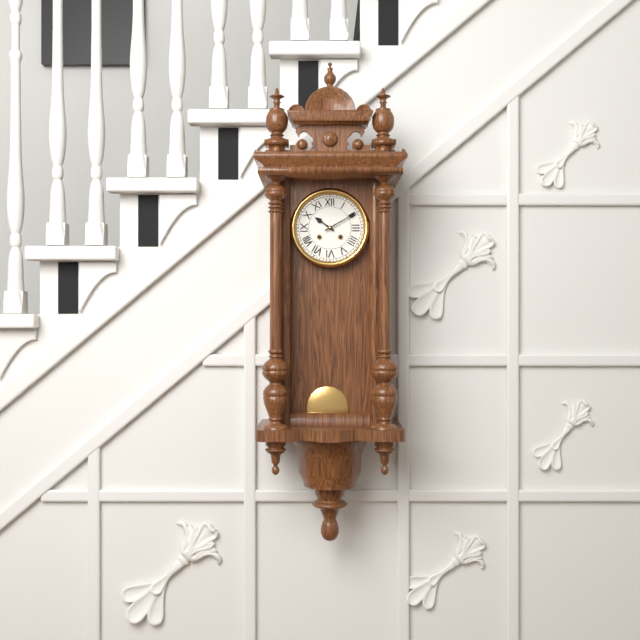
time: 10:10
